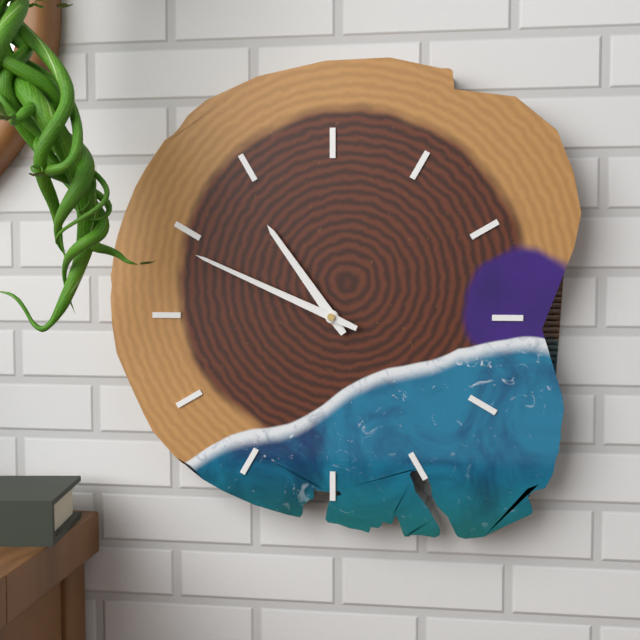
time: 10:49
